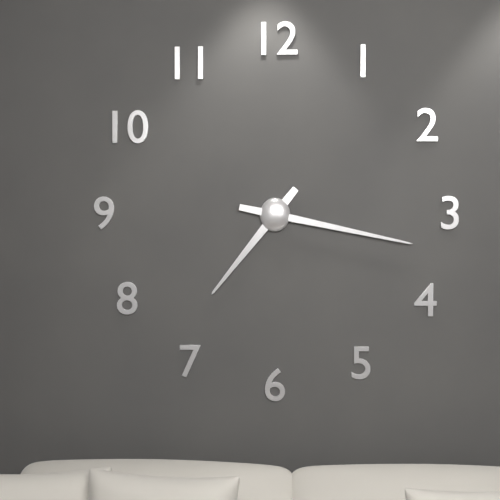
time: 7:17
